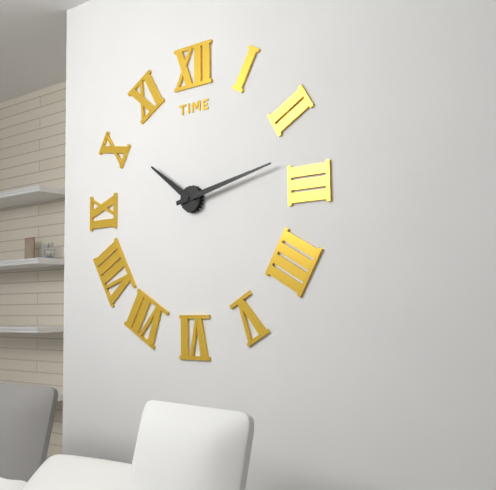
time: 10:13
